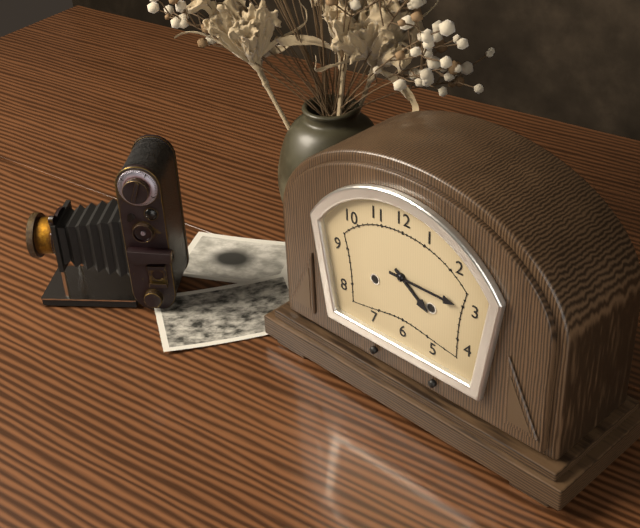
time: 4:15
